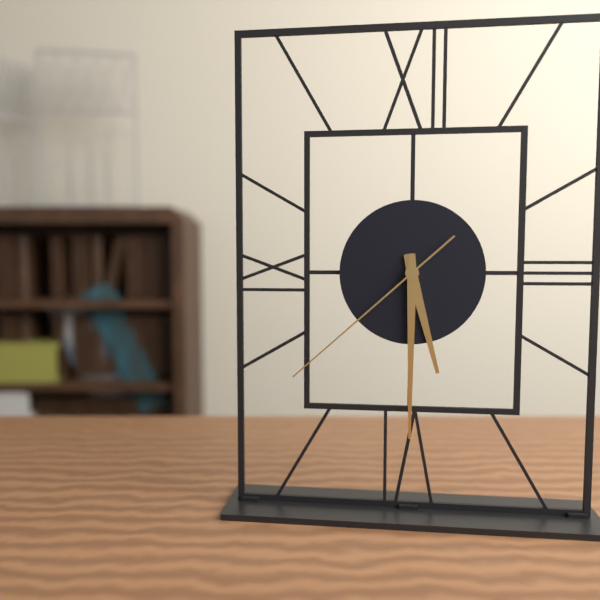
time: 5:30:38
